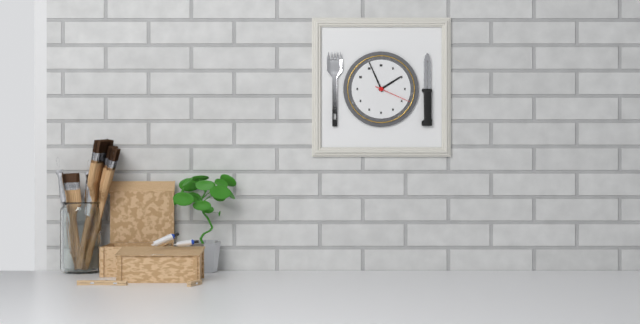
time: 1:56
